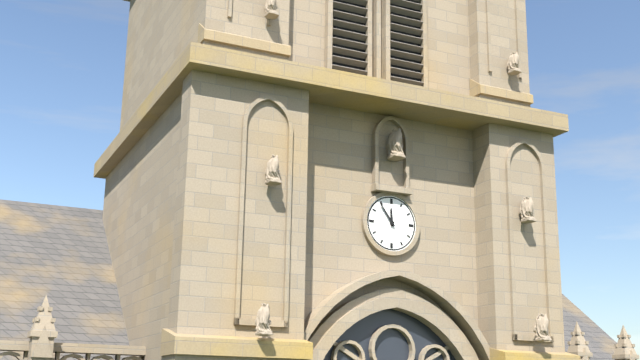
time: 11:54
